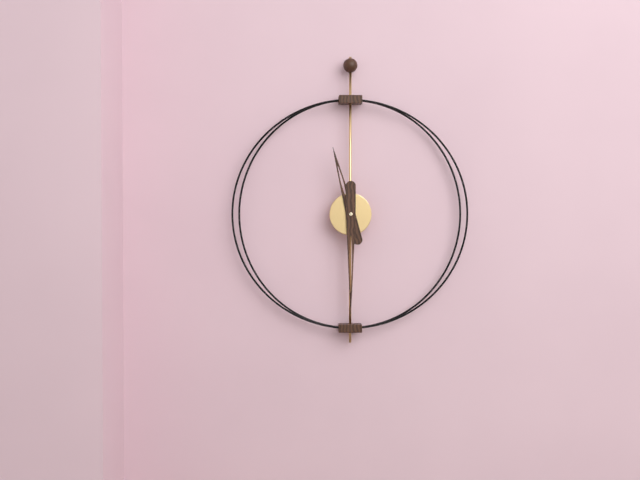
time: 11:30
